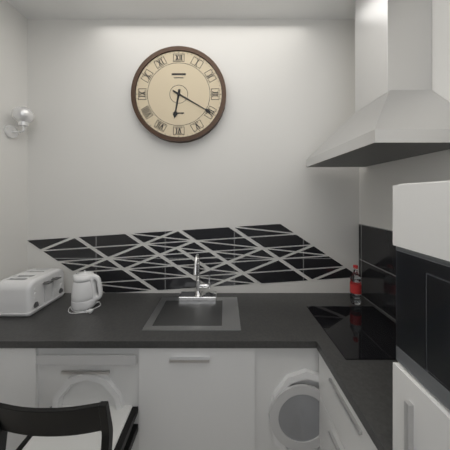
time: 6:20
